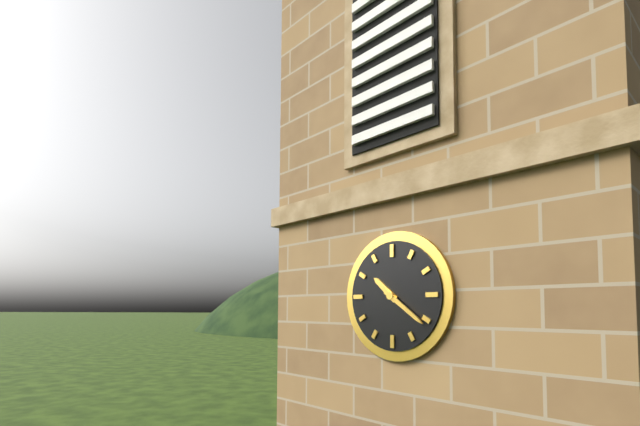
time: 10:21
